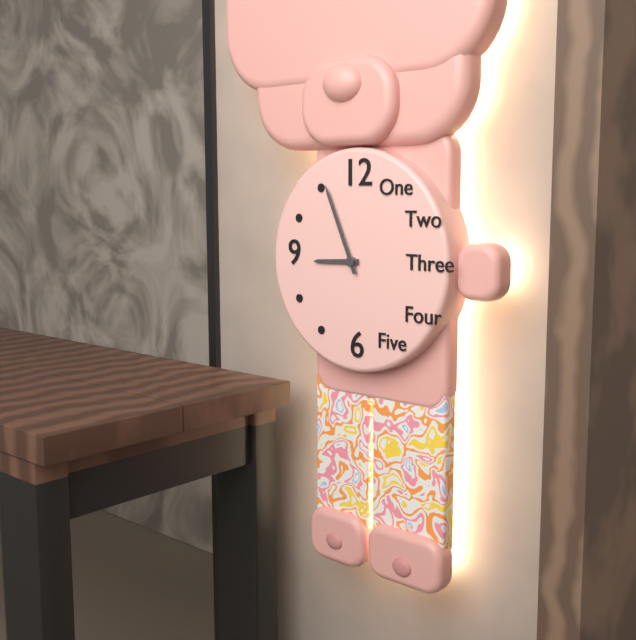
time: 8:56
